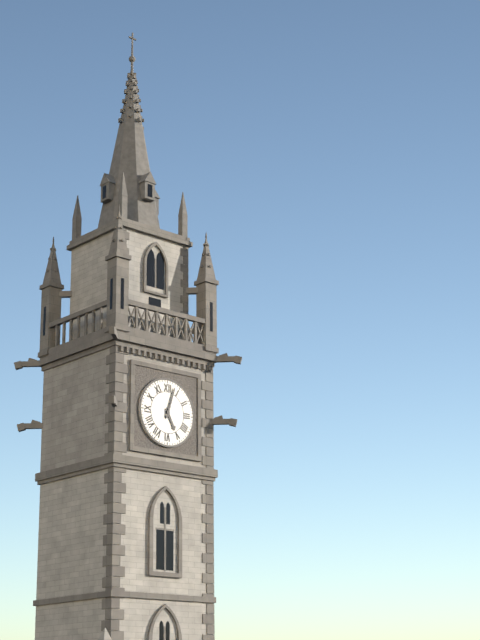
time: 5:03
